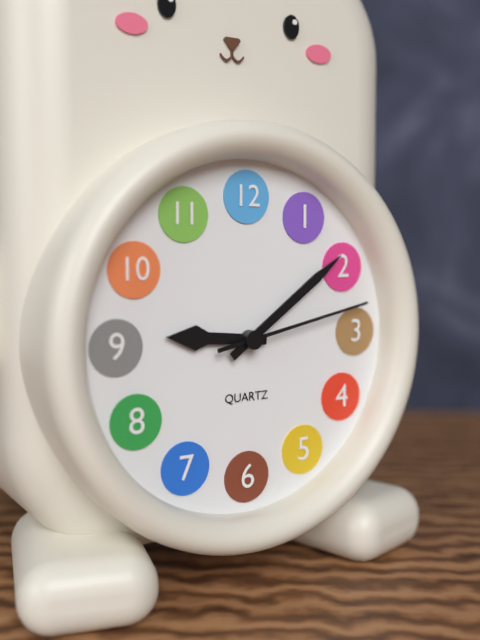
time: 9:09:13
